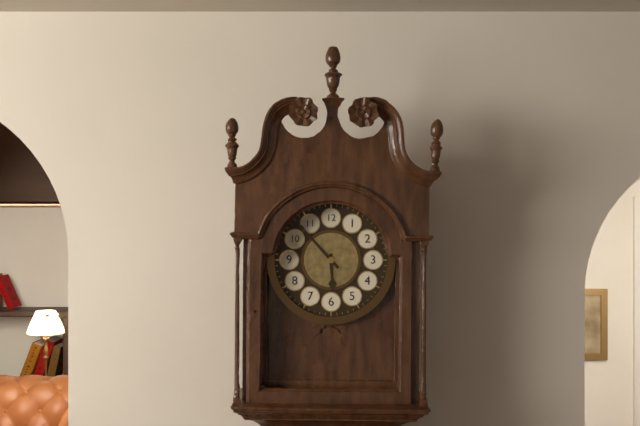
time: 5:53
